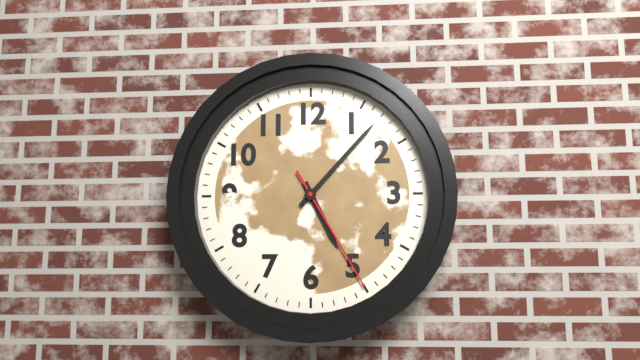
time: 5:07:25
